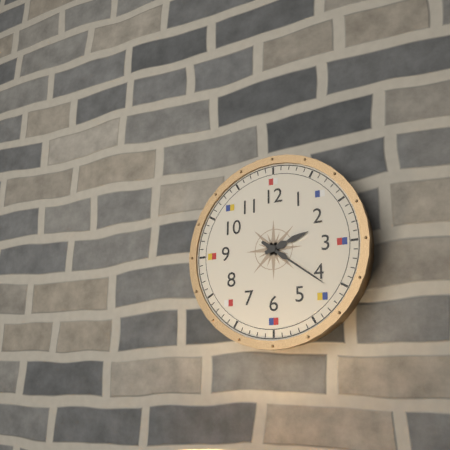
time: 2:21
